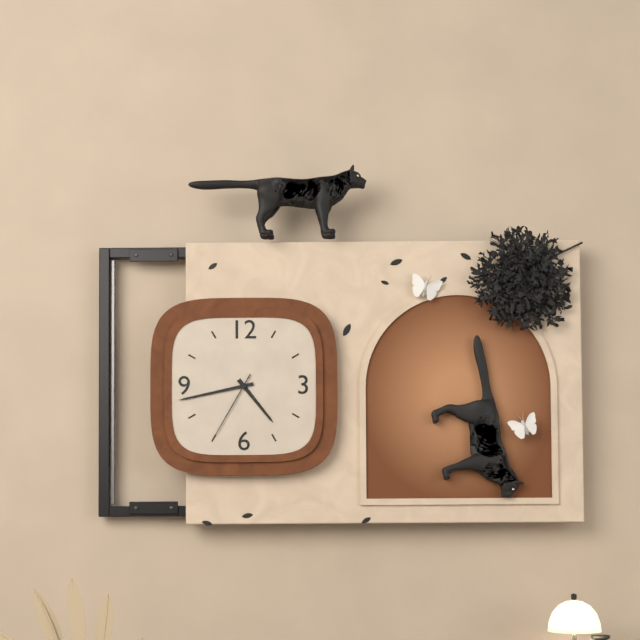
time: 4:43:35
